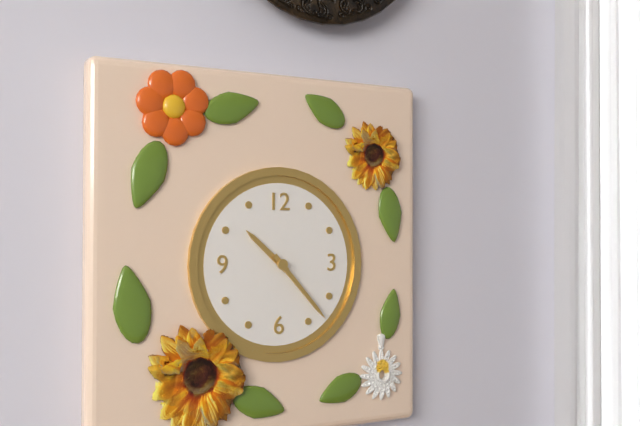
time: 10:23
